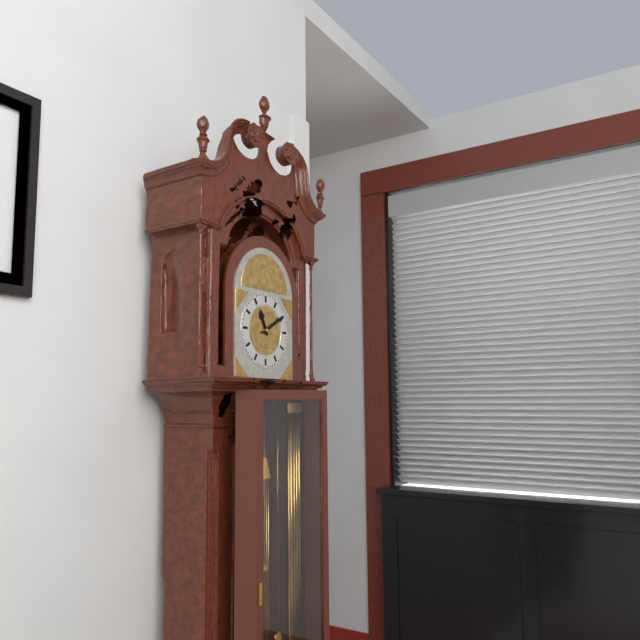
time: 11:10
